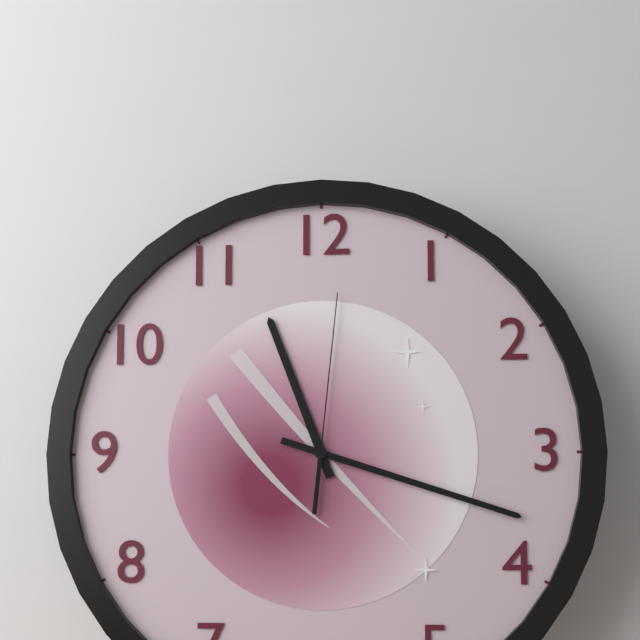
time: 11:18:01
